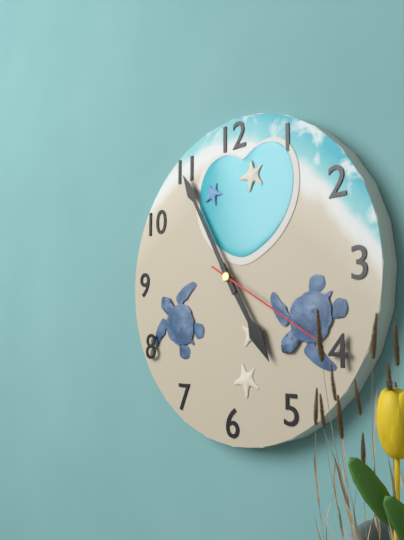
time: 4:55:20
